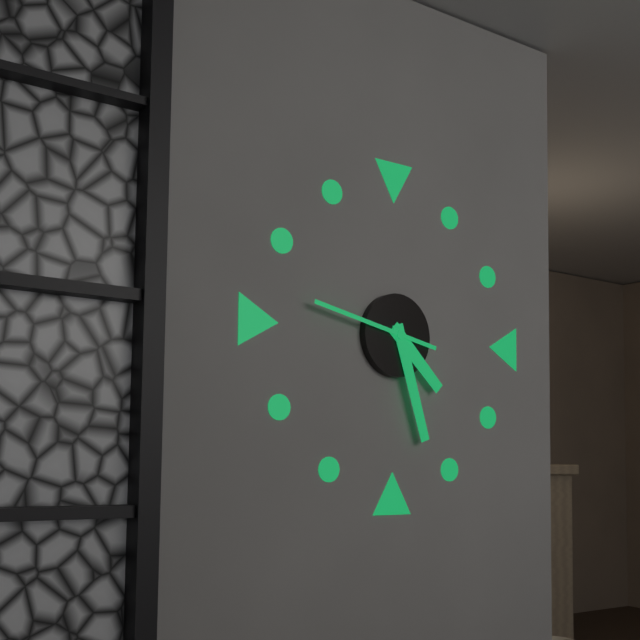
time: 4:27:47
